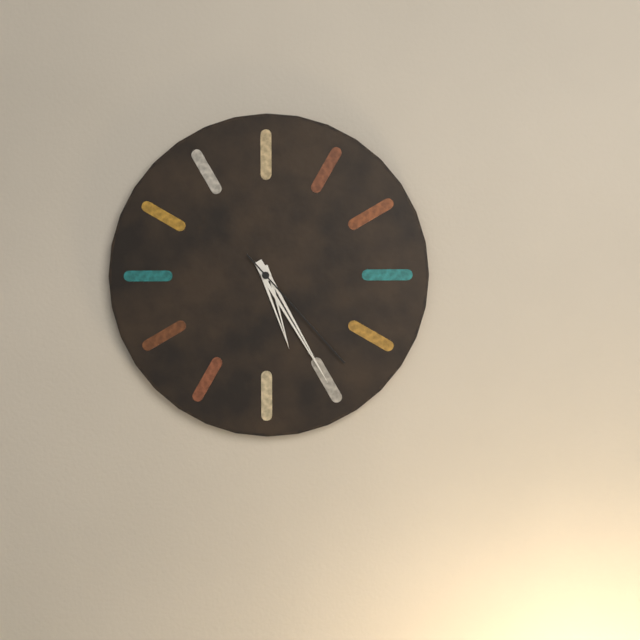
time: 5:25:23
